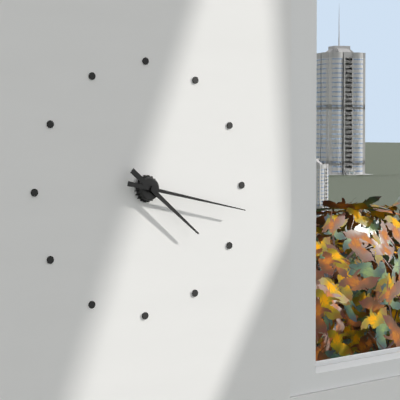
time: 4:17
